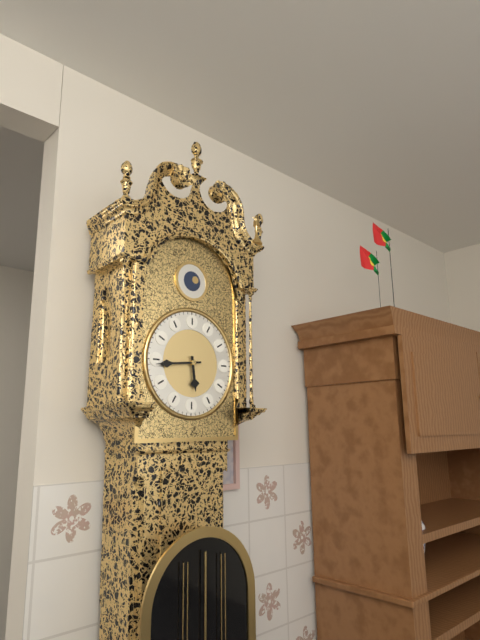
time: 5:44
